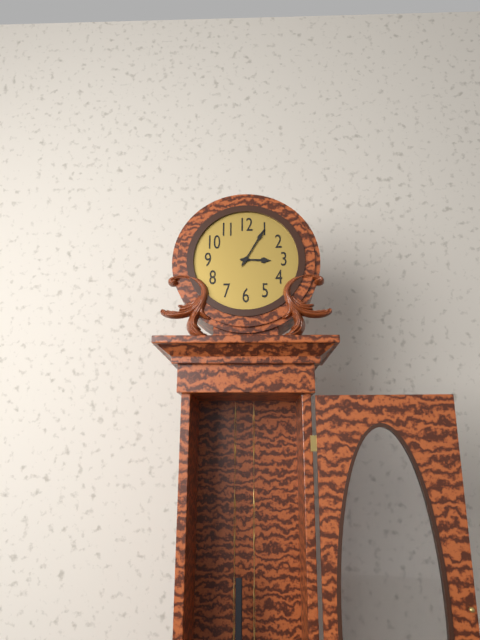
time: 3:05
